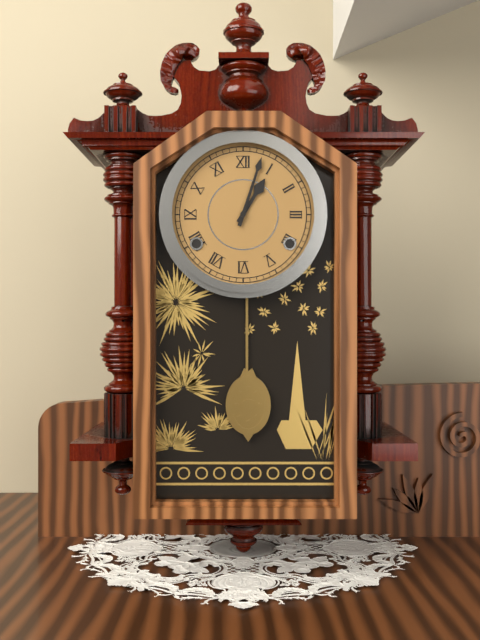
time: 1:03
